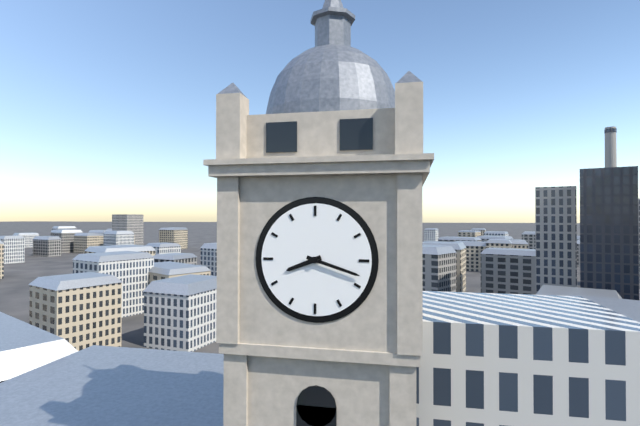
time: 8:18
